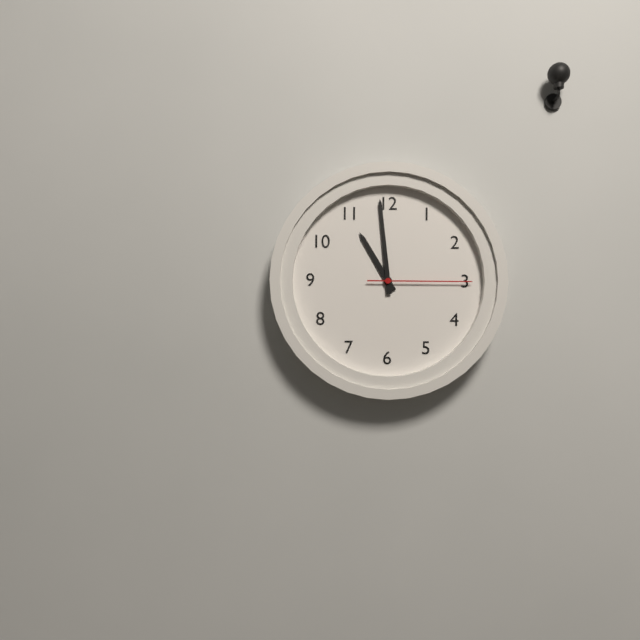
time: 10:59:15
